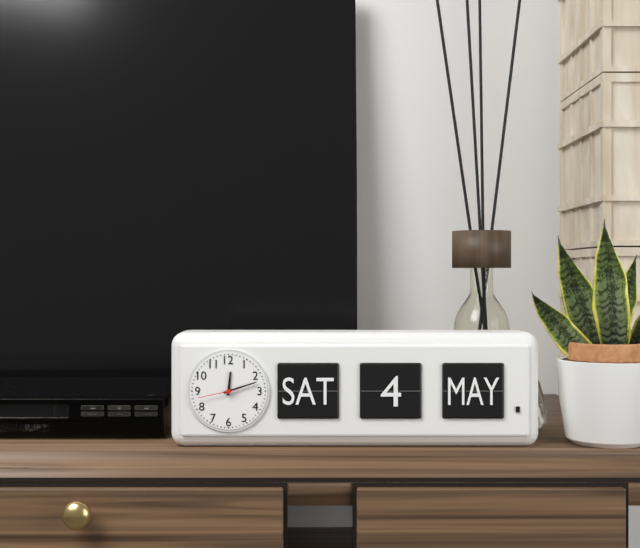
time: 12:12
